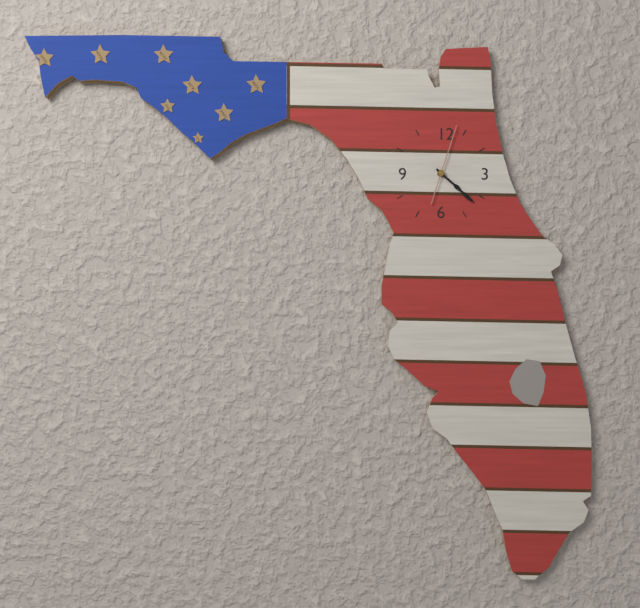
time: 4:22:03
